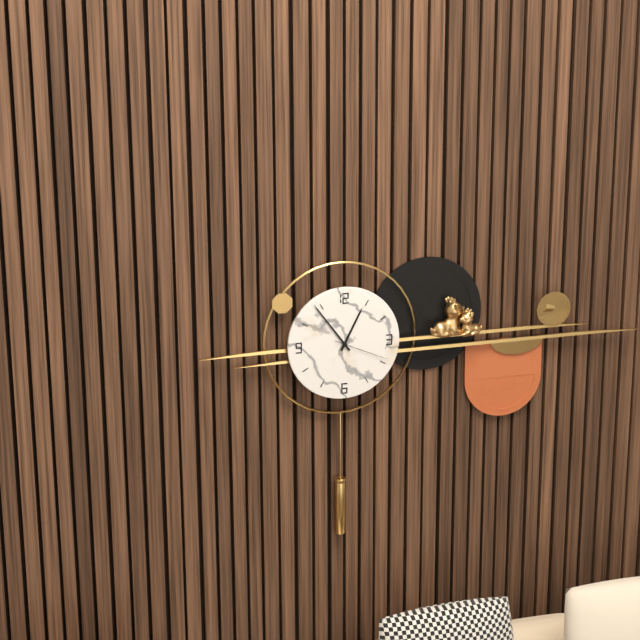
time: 12:54:19
